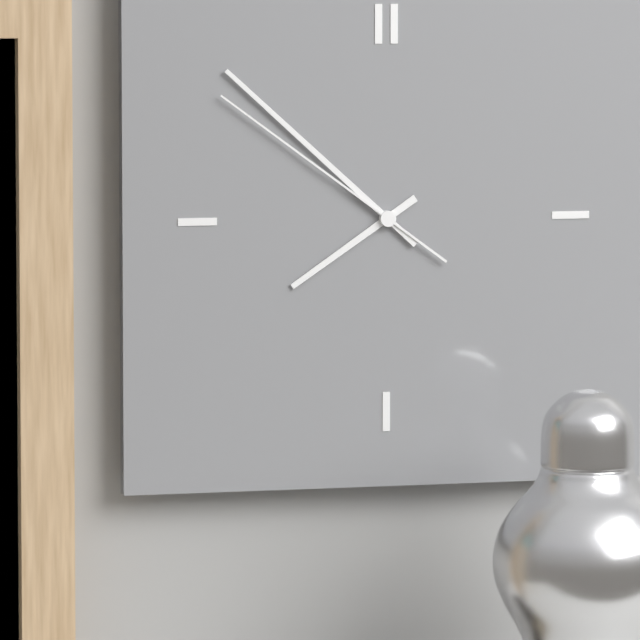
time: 7:52:51
